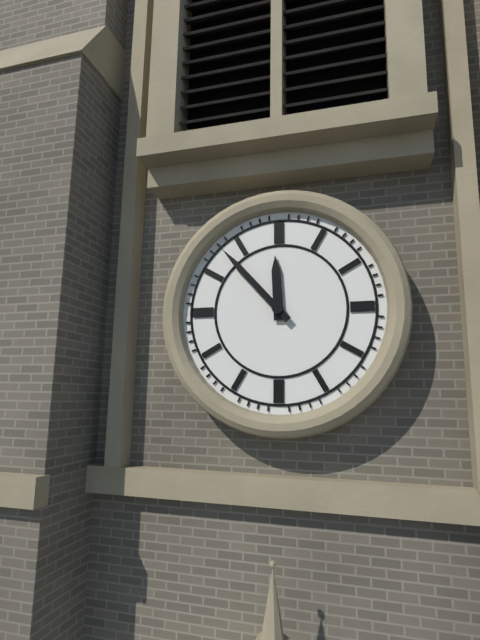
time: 11:53
